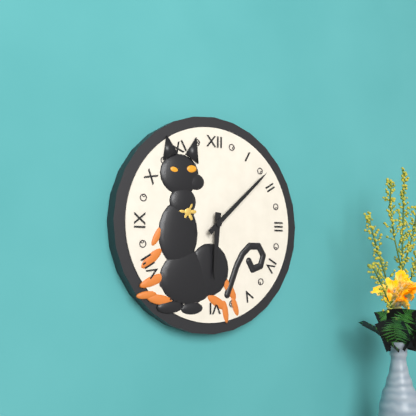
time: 6:08
